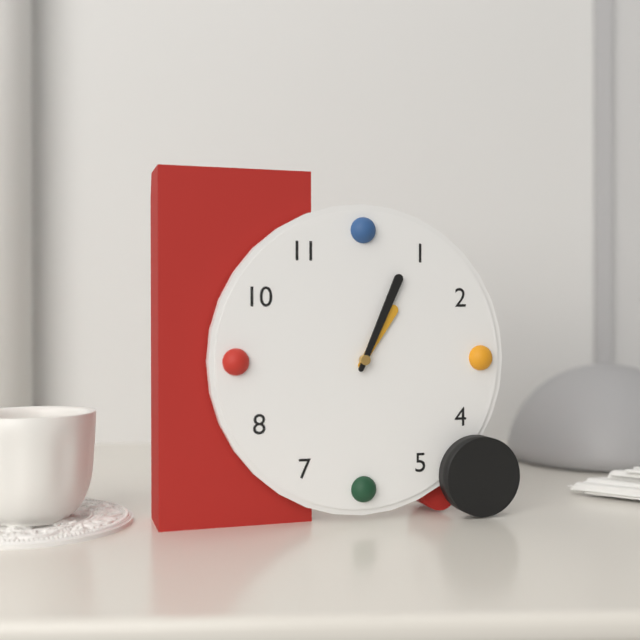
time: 1:04
